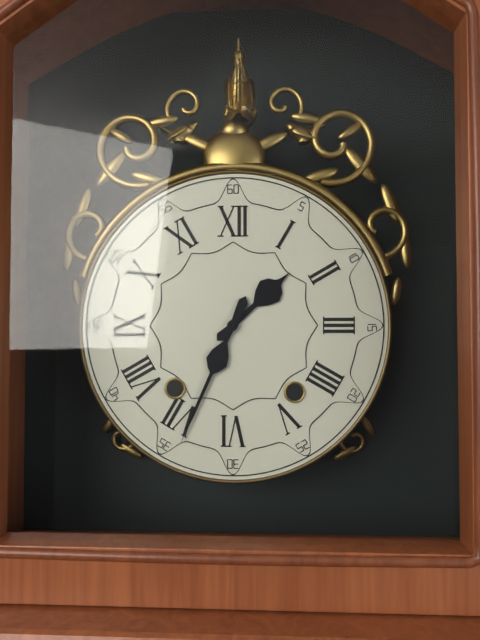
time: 1:34
